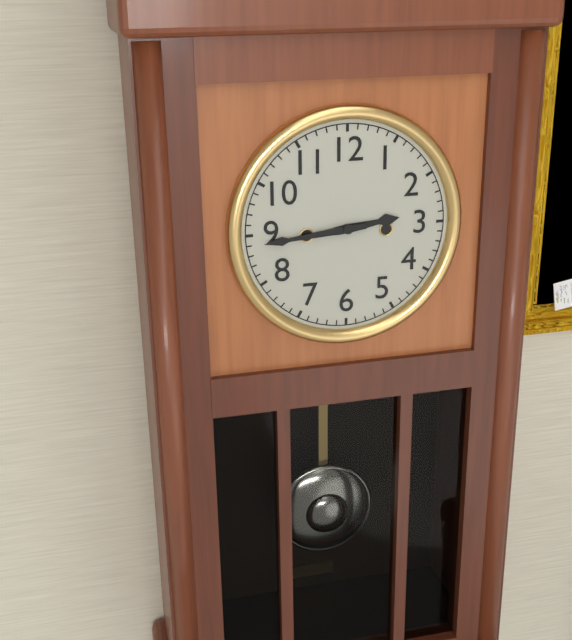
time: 2:44
